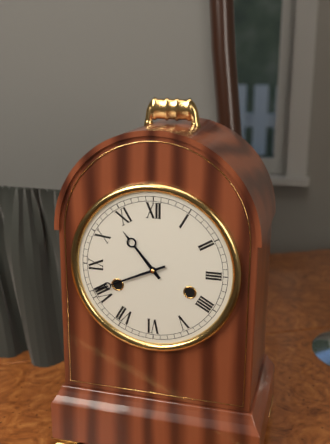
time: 10:41
